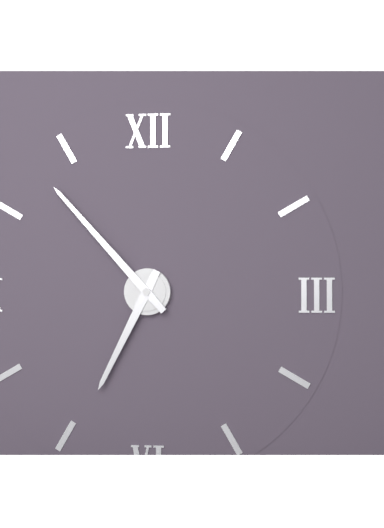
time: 6:53
